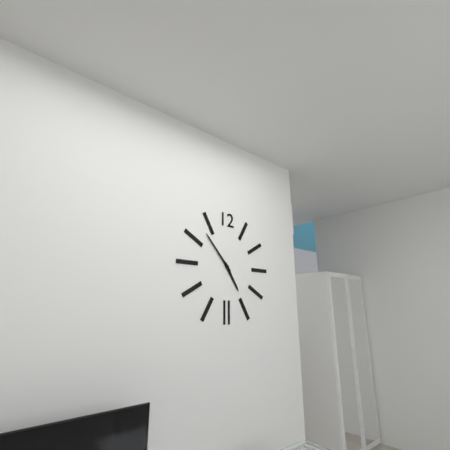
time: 4:53
